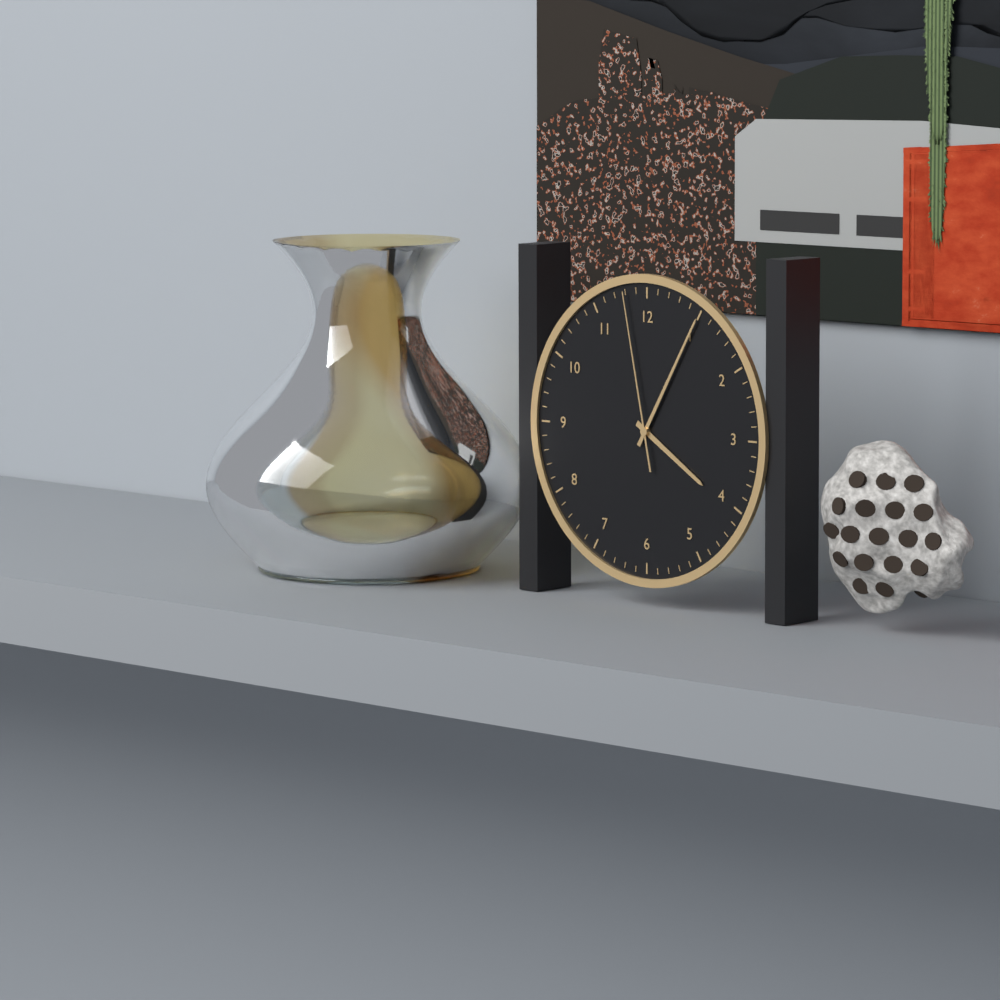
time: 4:05:58
